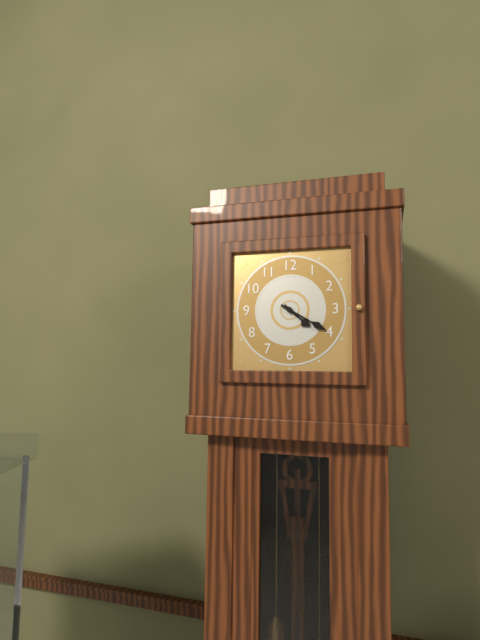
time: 4:20
